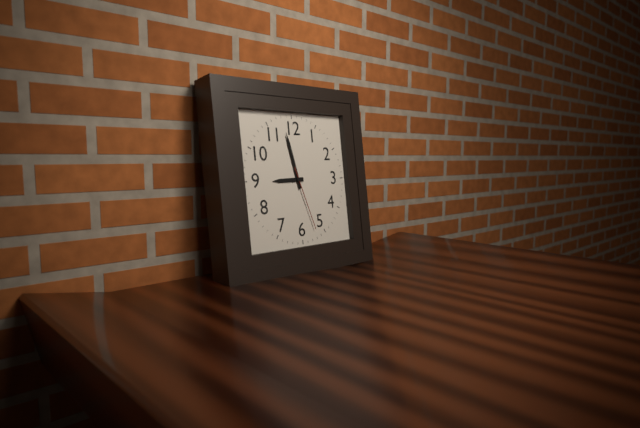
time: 8:58:27
